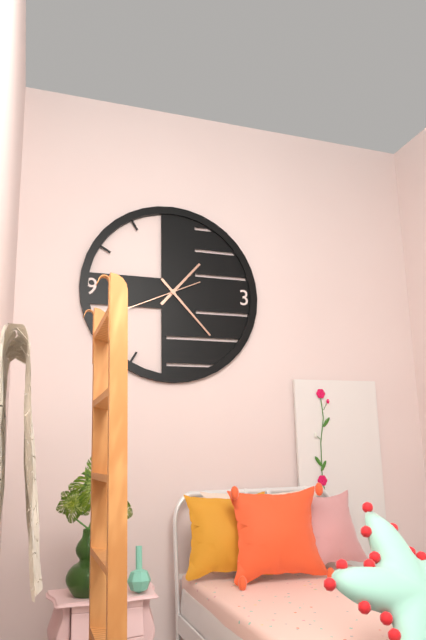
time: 1:23:41
